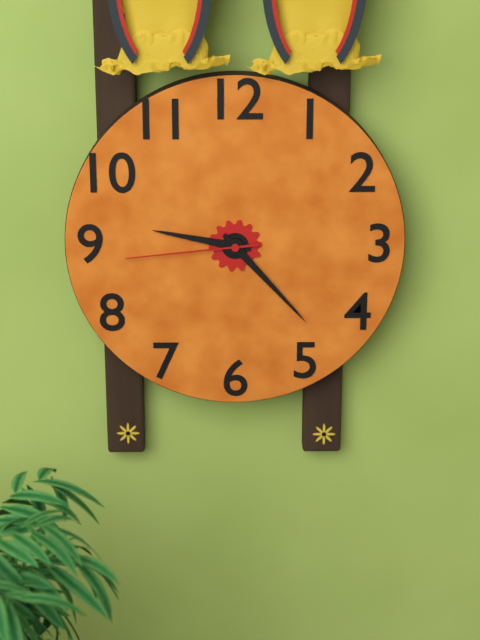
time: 9:23:44
